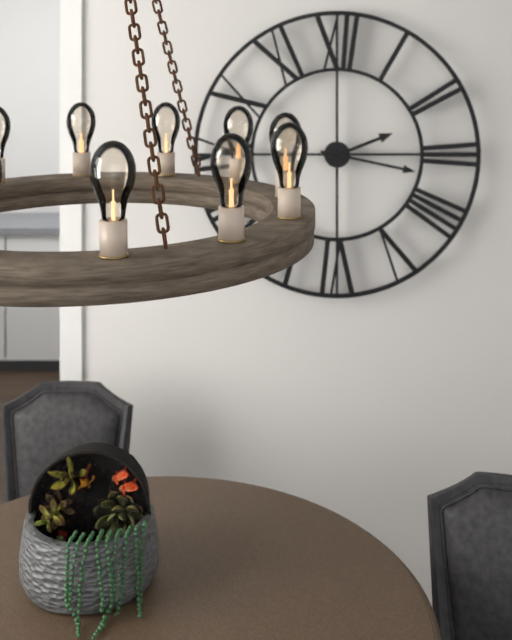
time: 2:17
